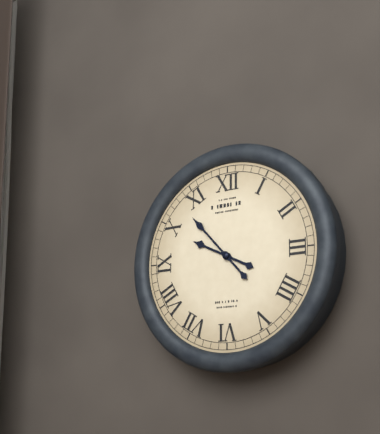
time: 9:53
